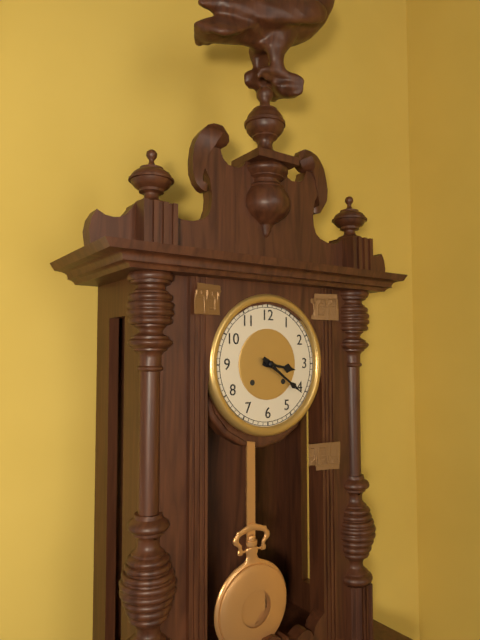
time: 3:21
